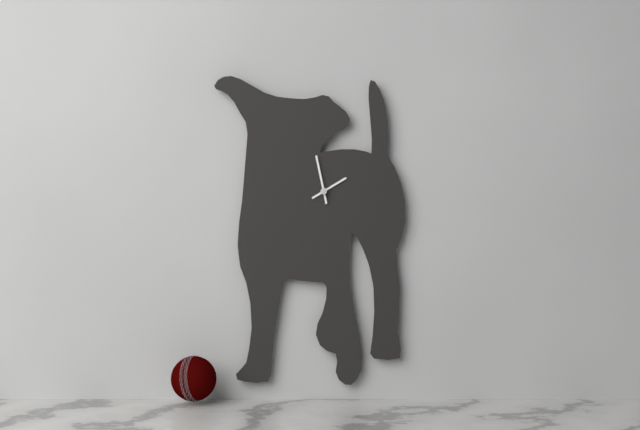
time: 1:58
